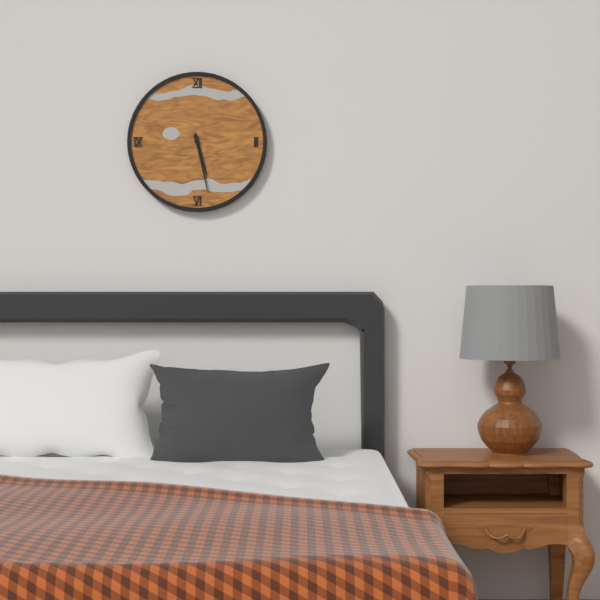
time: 5:28
